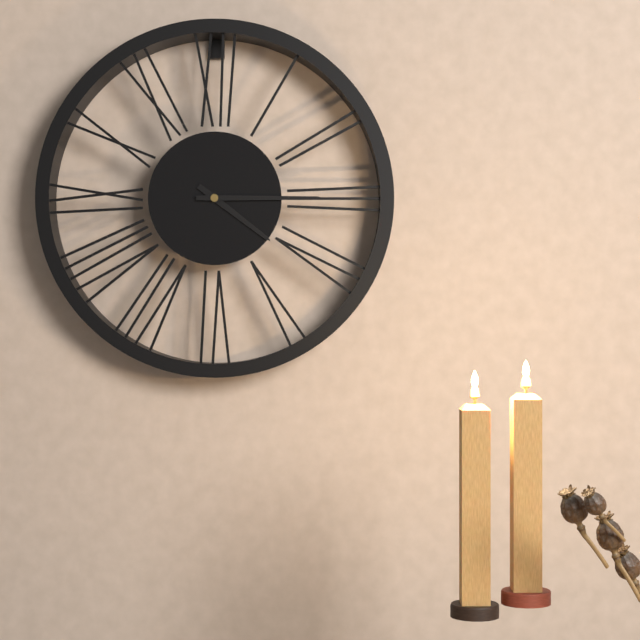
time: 4:15
